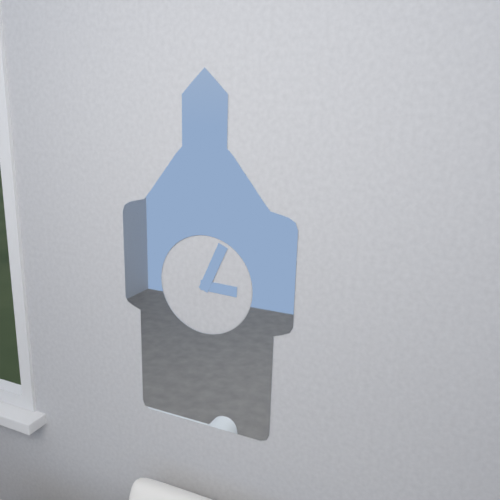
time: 3:04
